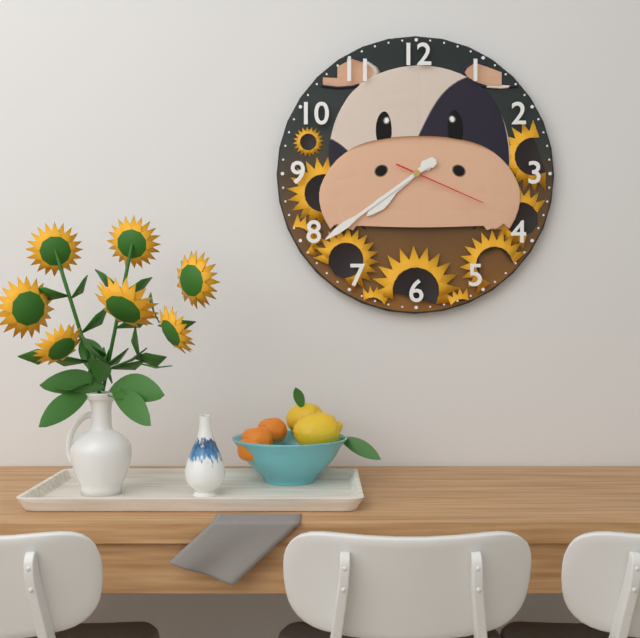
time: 7:39:19
